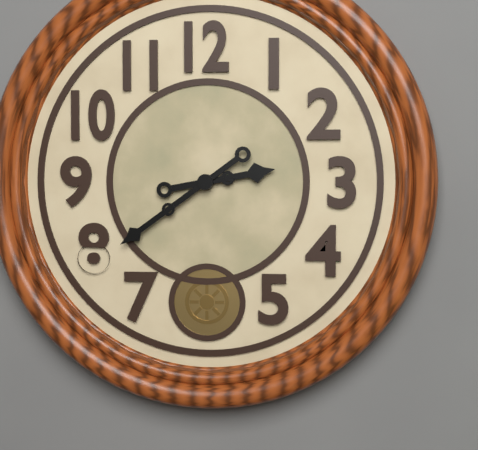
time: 2:39
